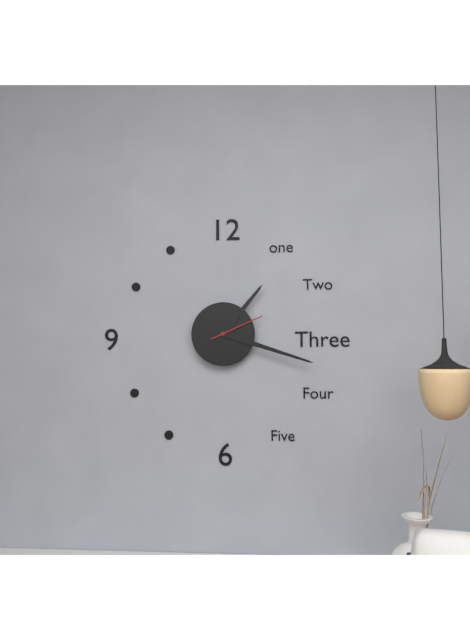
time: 1:18:11
